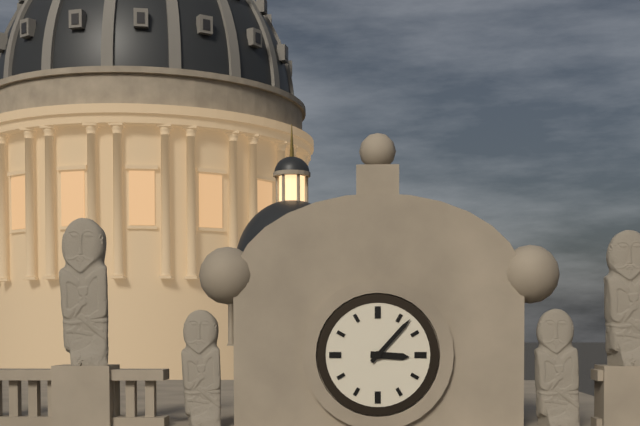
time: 3:07
